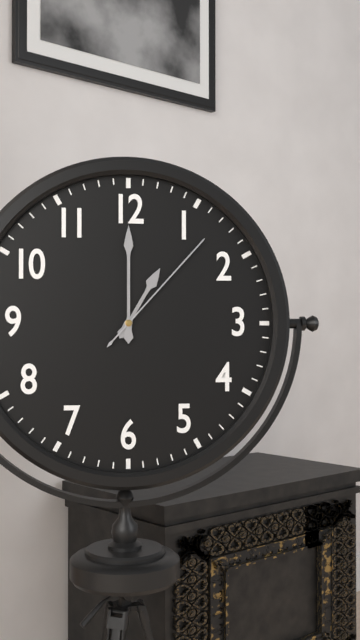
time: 1:00:07
